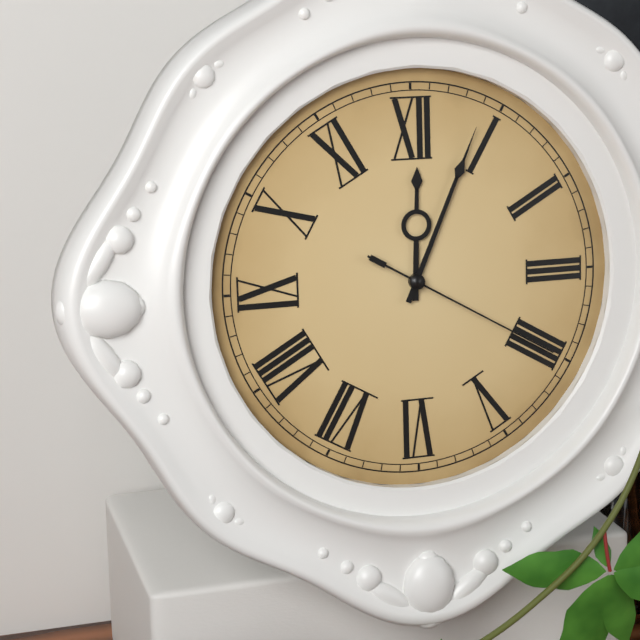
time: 12:04:20
